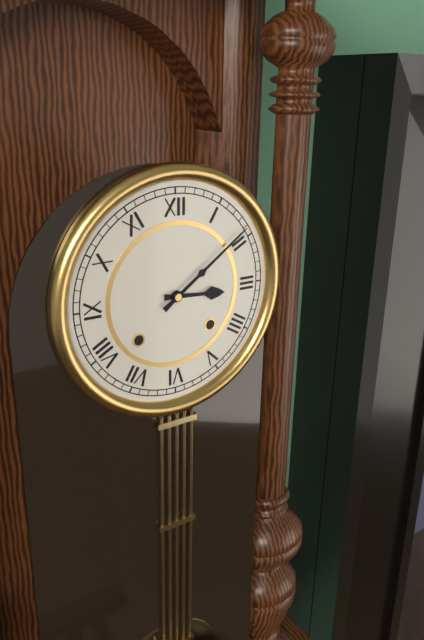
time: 3:09
